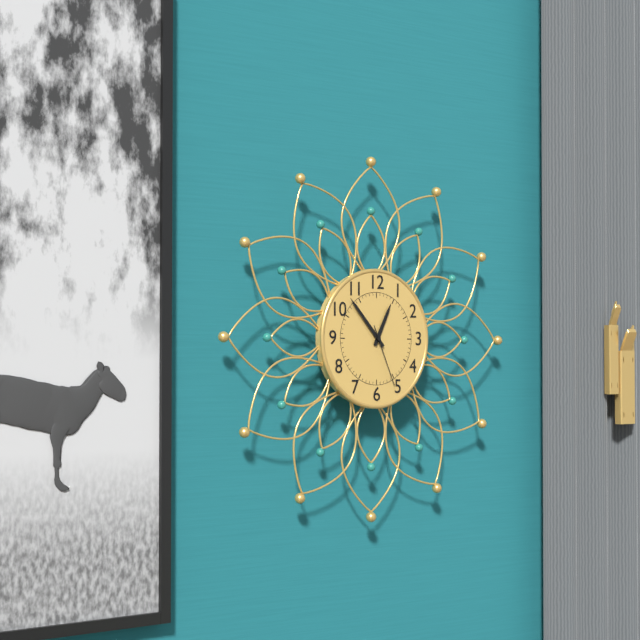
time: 12:53:26
